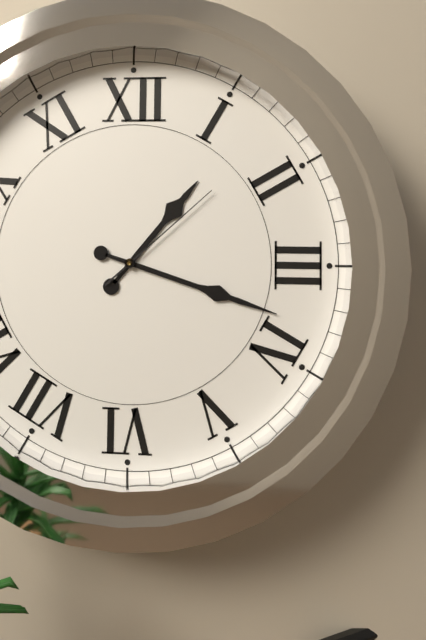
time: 1:18:08
